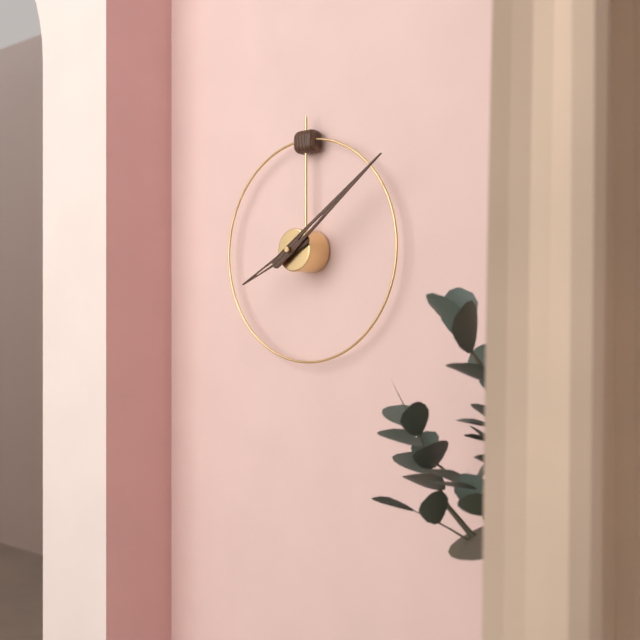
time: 8:09
